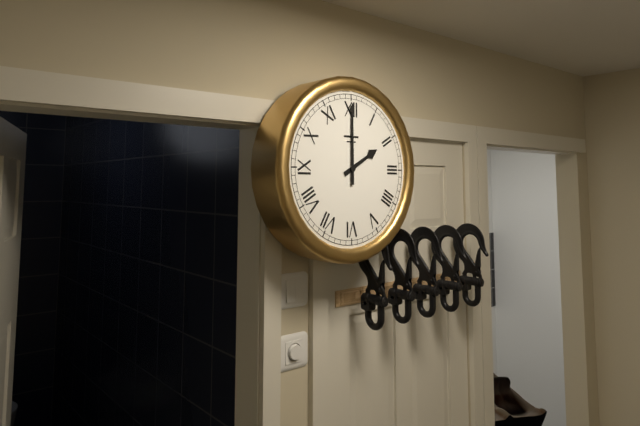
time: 2:00
